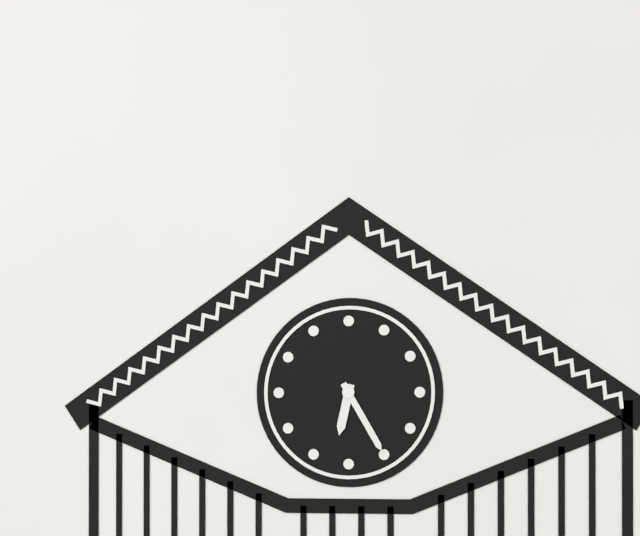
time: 6:25
